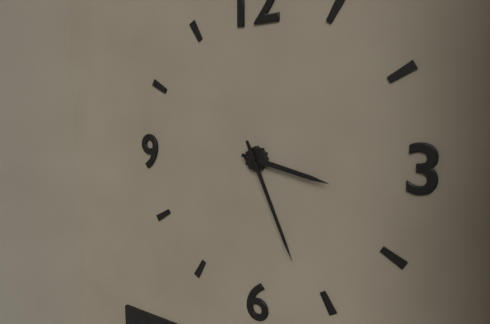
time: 3:26
